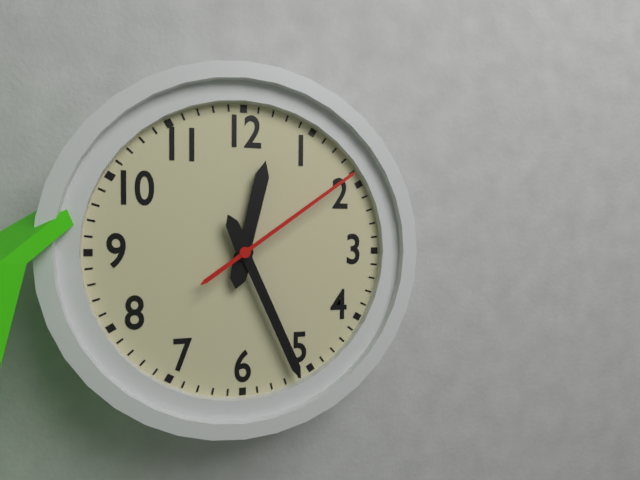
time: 12:26:09
